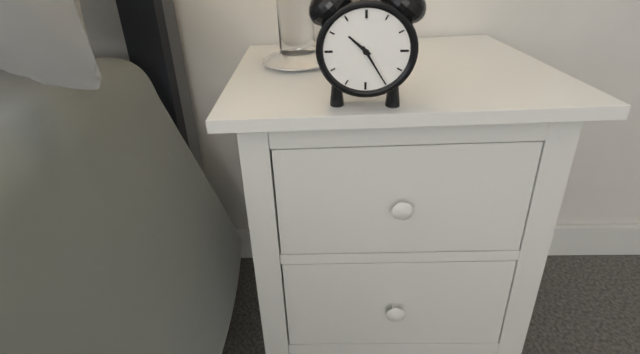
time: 10:25
